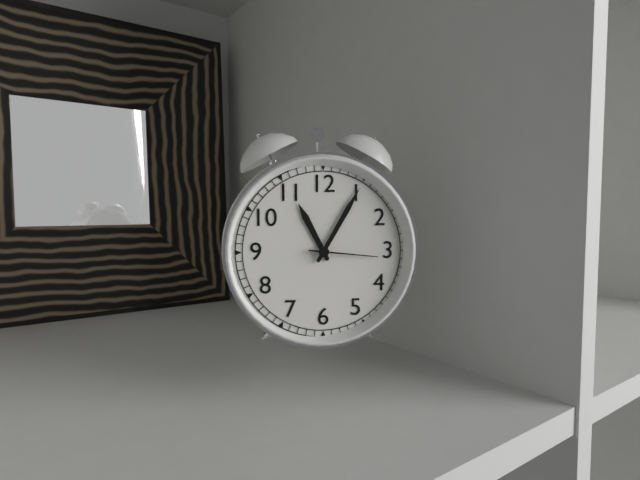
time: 11:05:16
